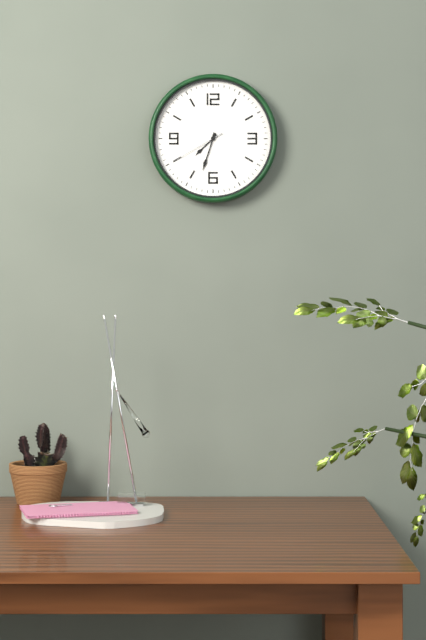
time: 7:33:40
